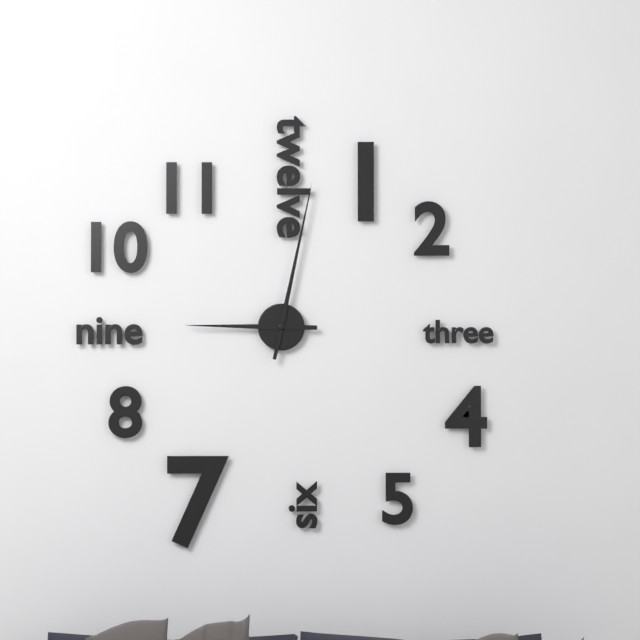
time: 9:02
